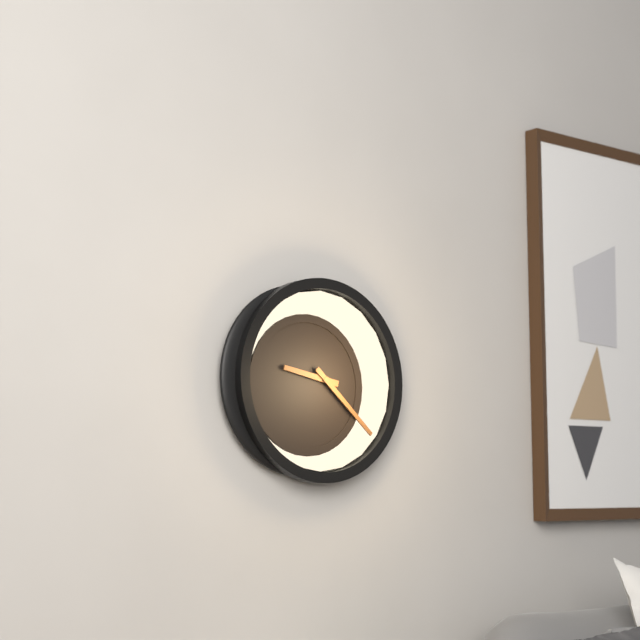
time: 9:22
